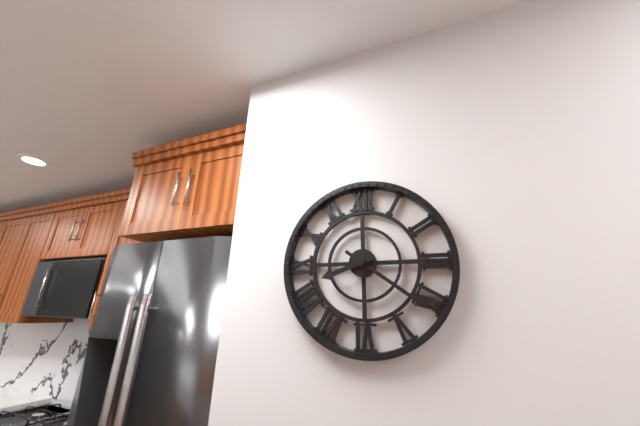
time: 8:21
